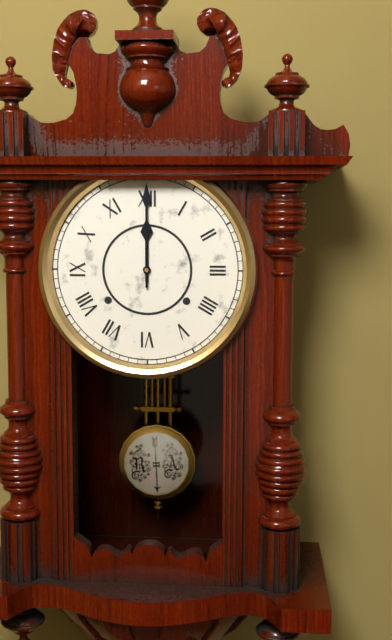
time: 12:00
